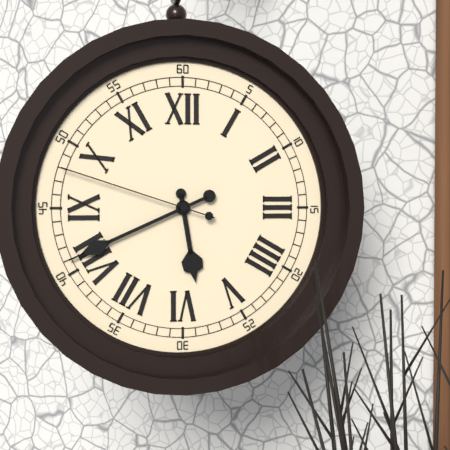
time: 5:41:48
